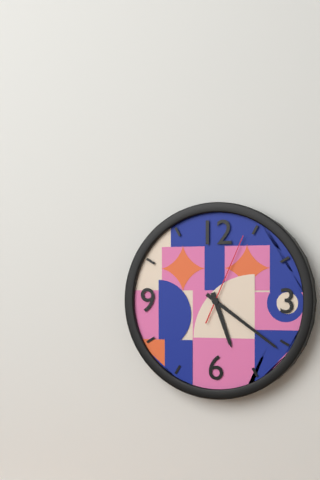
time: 5:21:04
